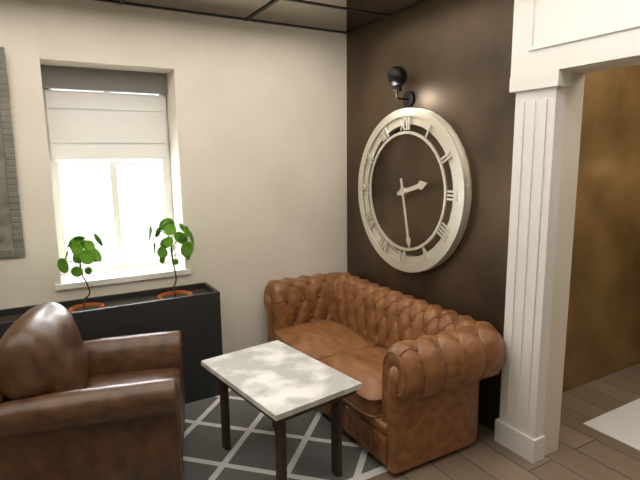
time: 2:28
